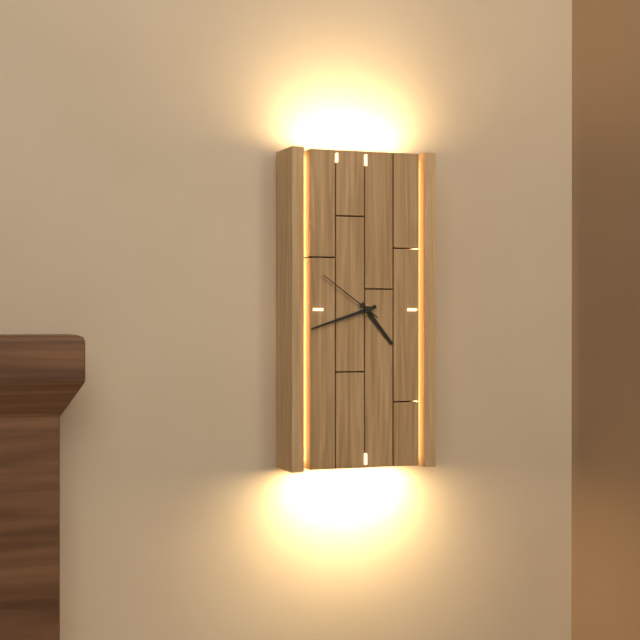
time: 4:42:51
